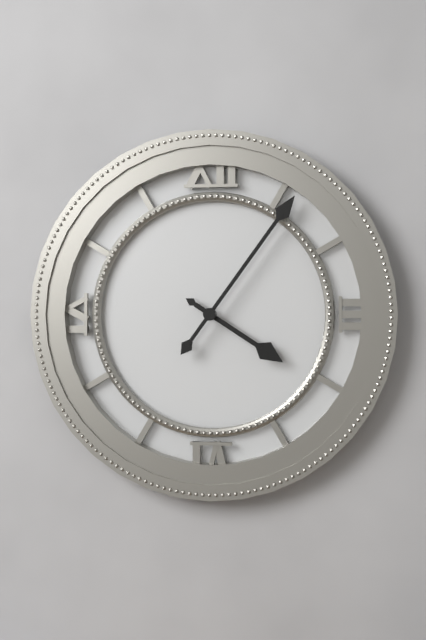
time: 4:06
